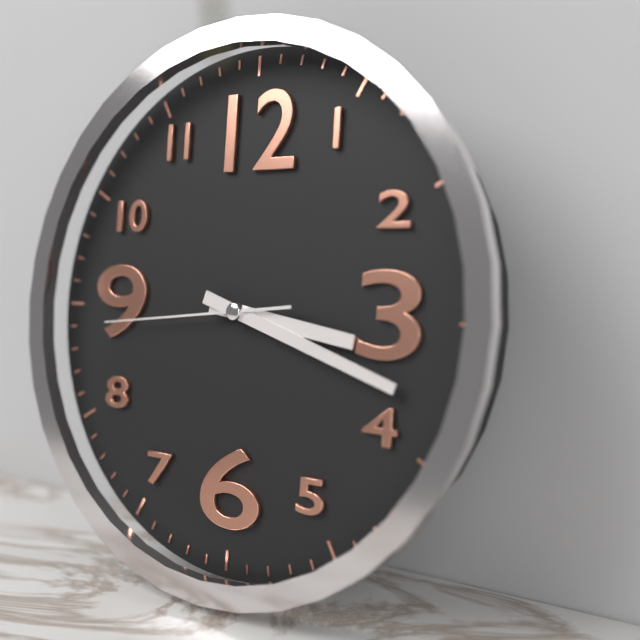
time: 3:18:44
